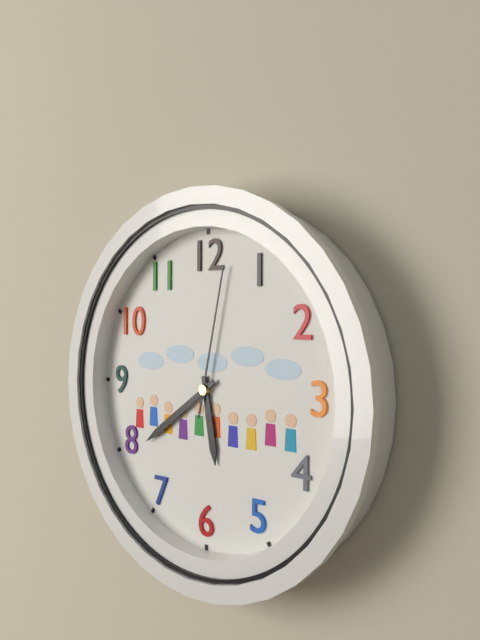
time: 5:39:02
